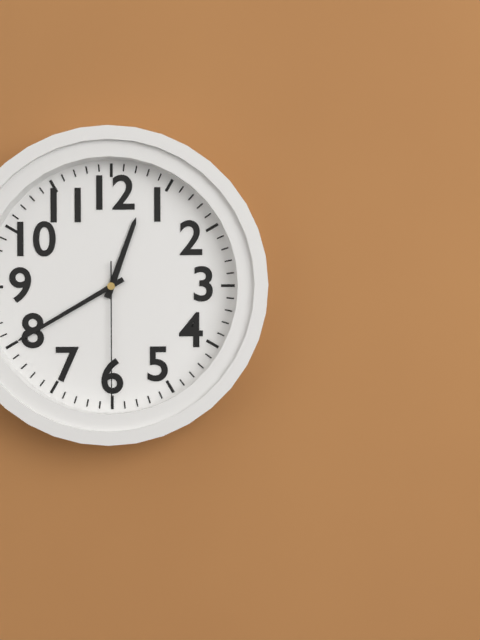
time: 12:40:30
